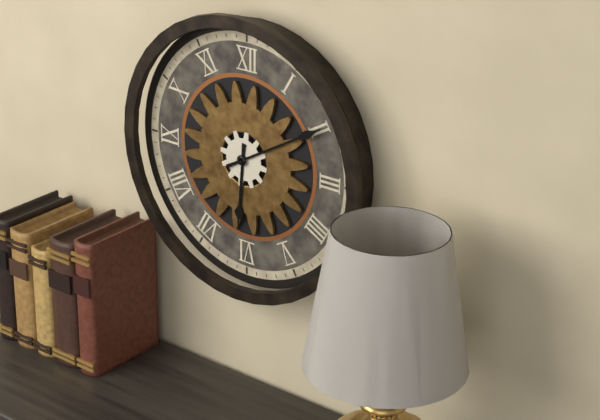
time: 6:10
